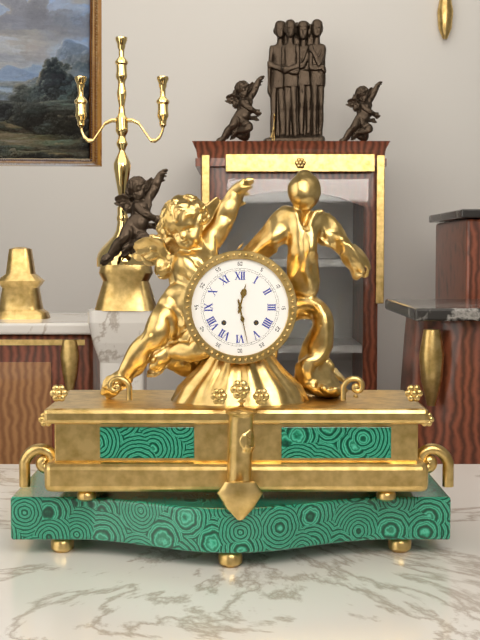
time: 12:28
